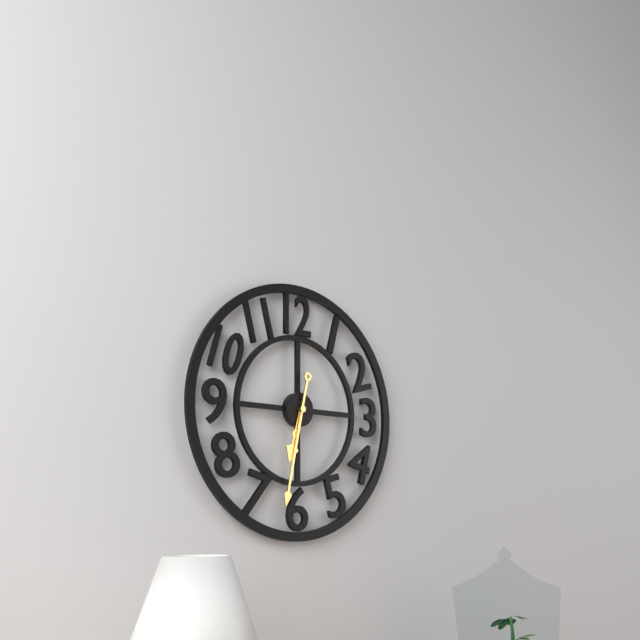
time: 6:32
